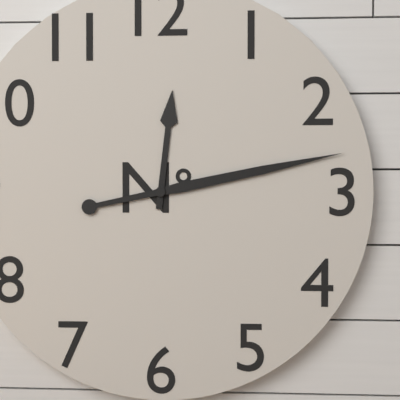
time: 12:13
